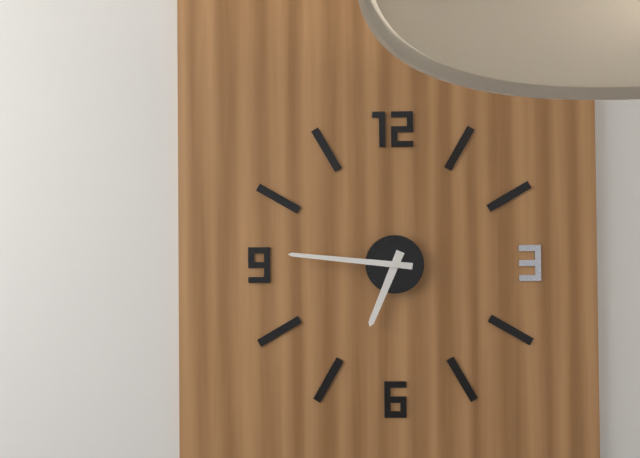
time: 6:46
